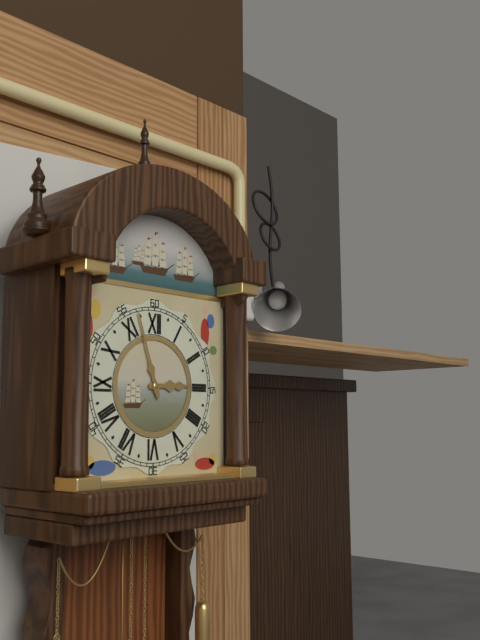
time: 2:57
